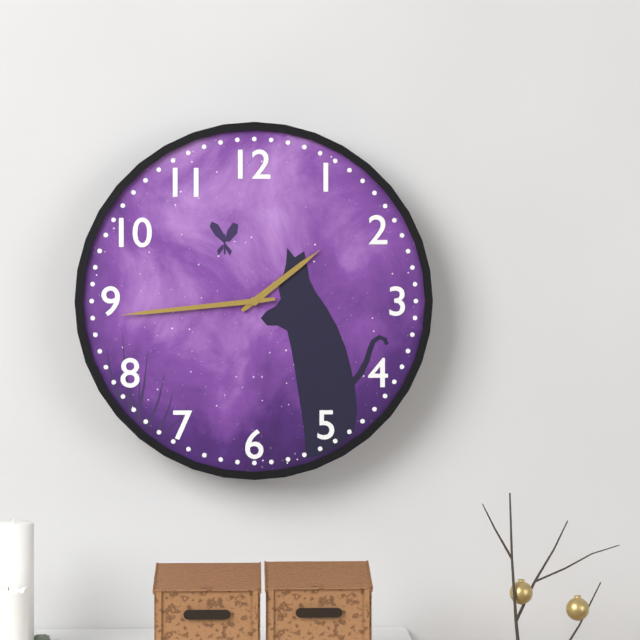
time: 1:44
